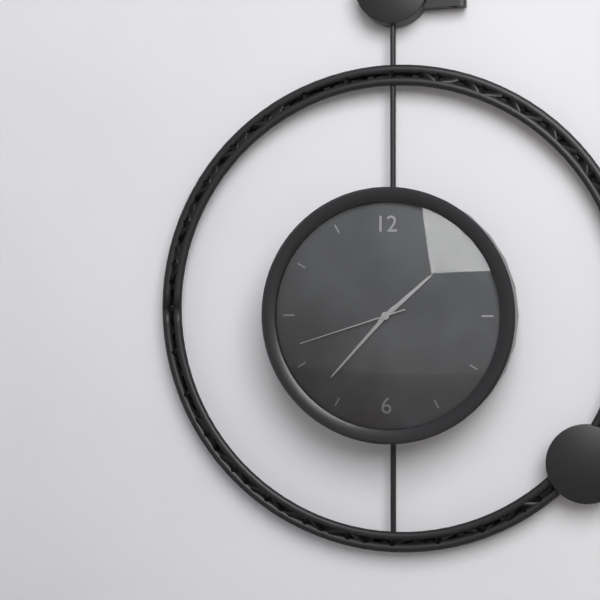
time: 1:37:42
